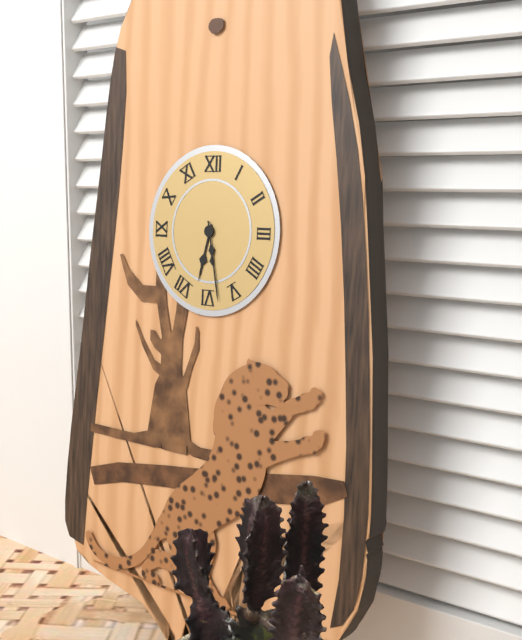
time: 6:28
